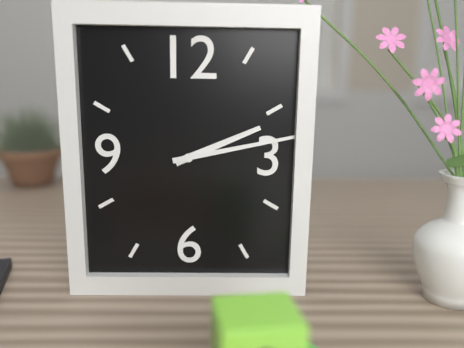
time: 2:13
